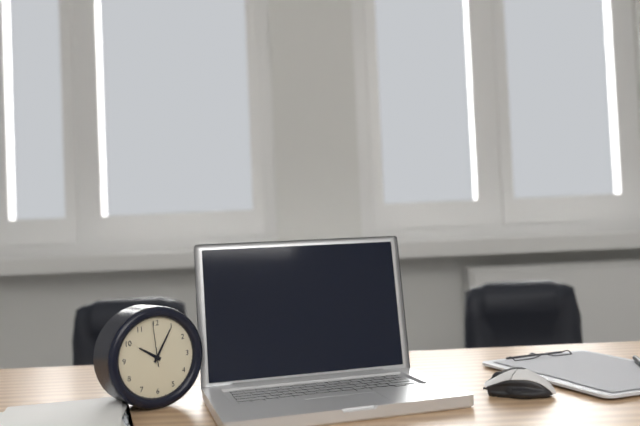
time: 10:05
